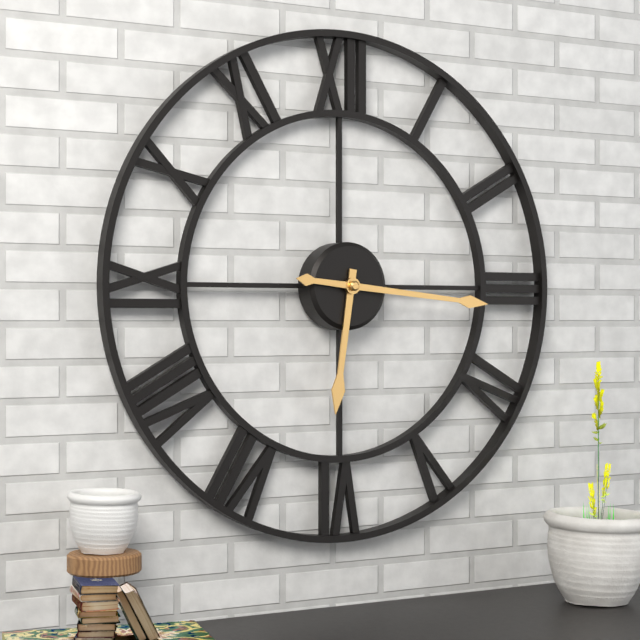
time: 6:16
